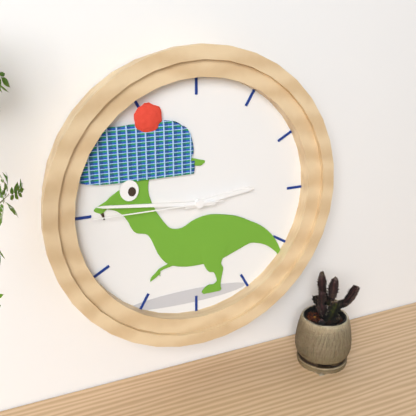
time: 2:46:45
